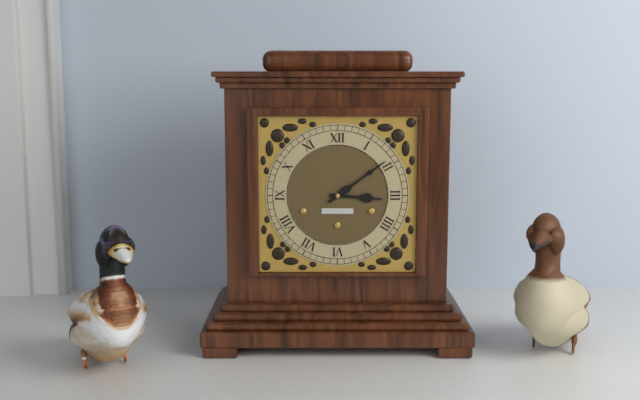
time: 3:09
